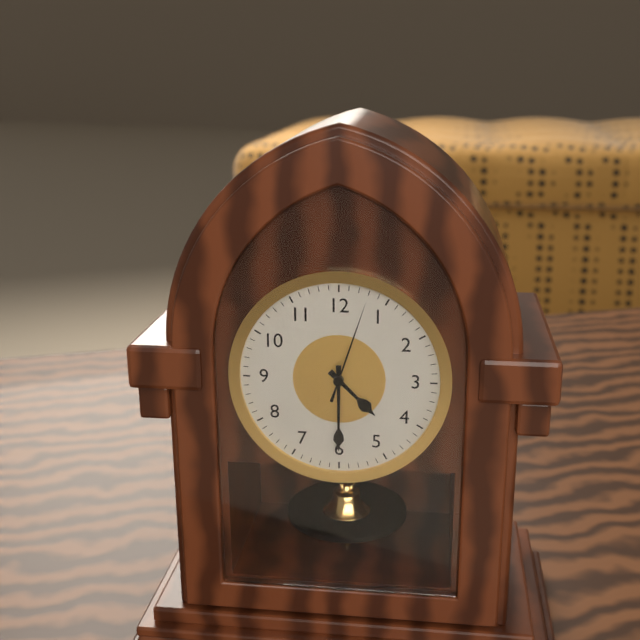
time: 4:30:03
